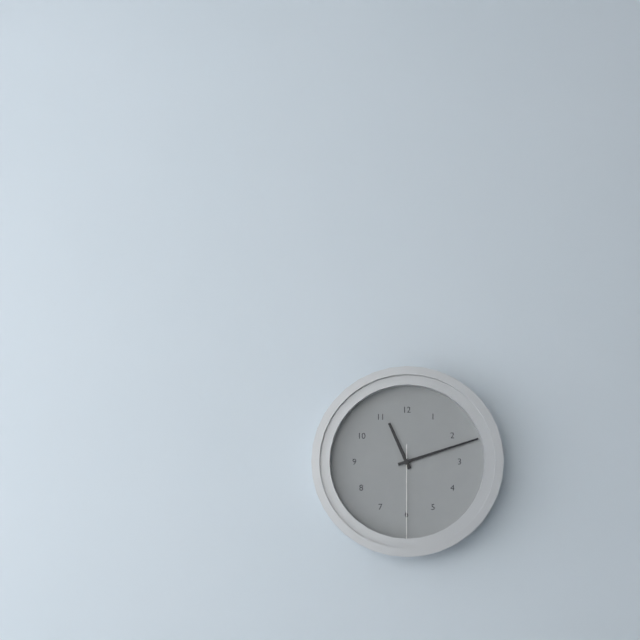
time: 11:12:30
